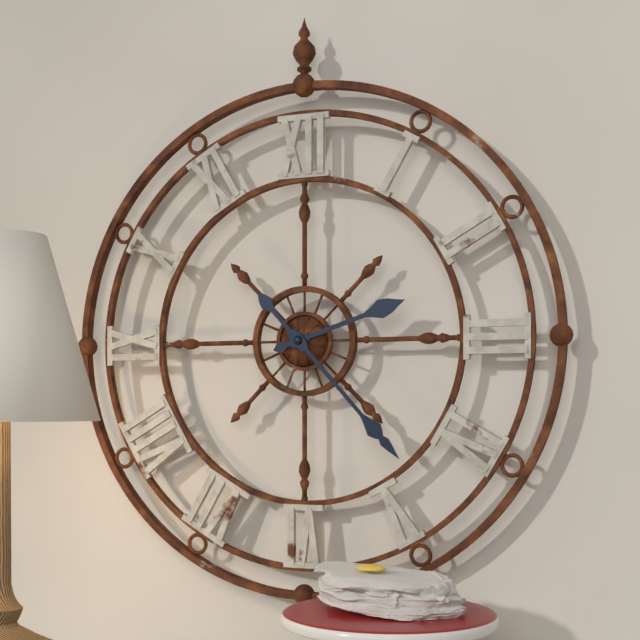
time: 2:23
